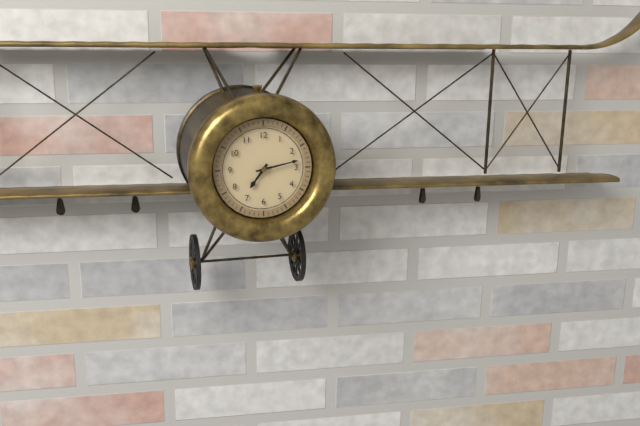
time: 7:13
